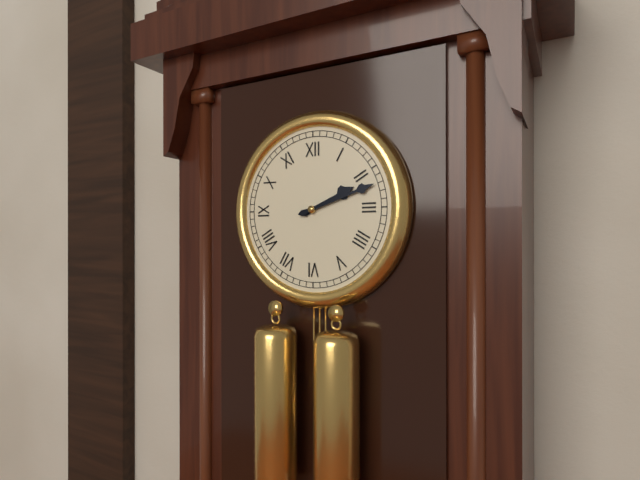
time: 2:12
